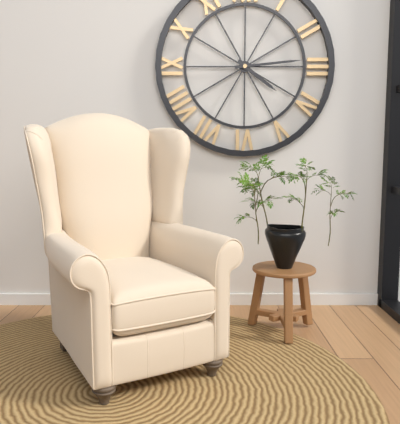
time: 4:14
